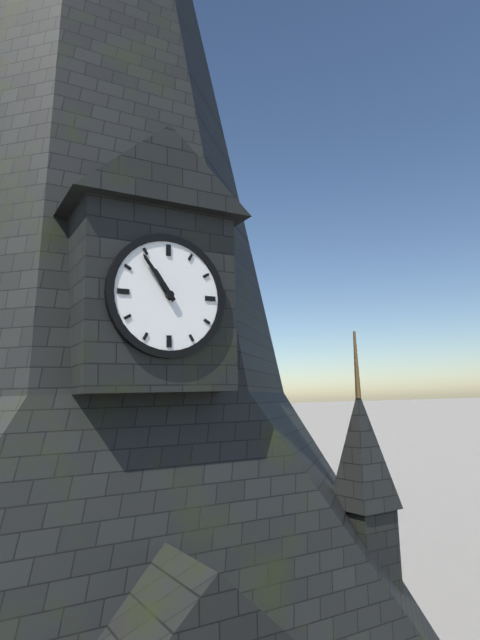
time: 10:54
